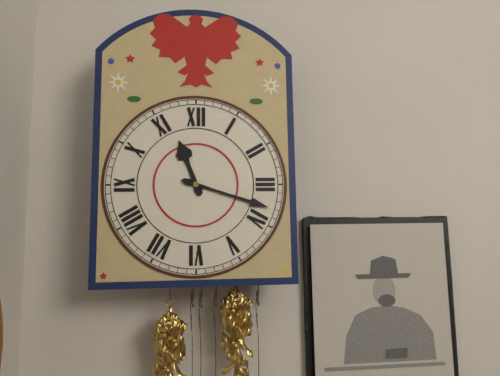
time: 11:18
